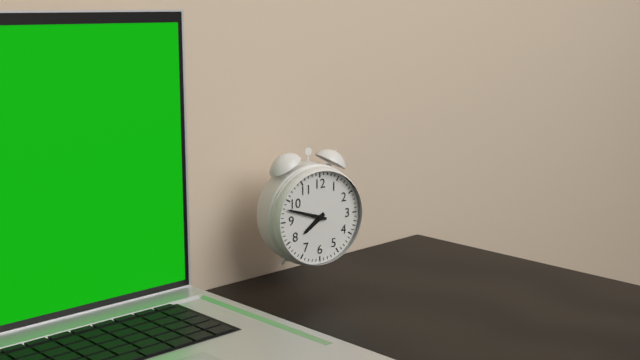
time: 7:48
